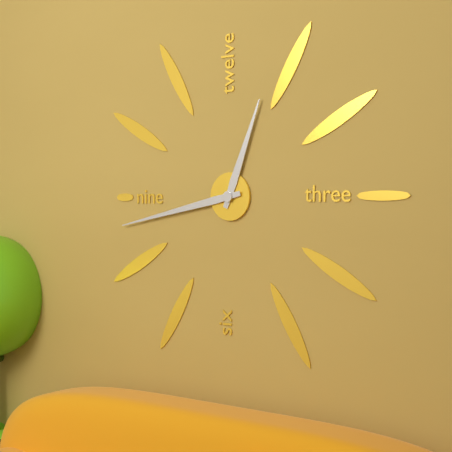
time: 12:43
